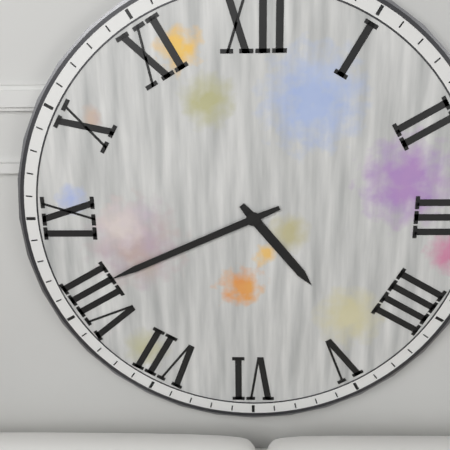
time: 4:41
